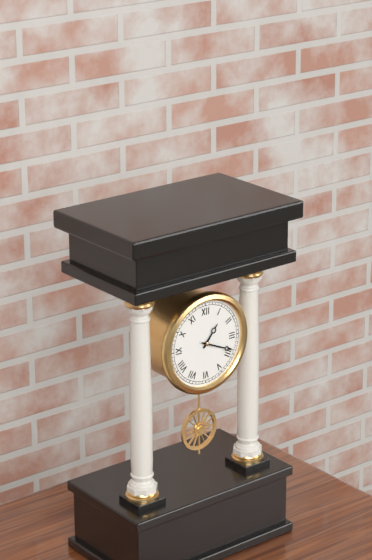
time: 1:19
